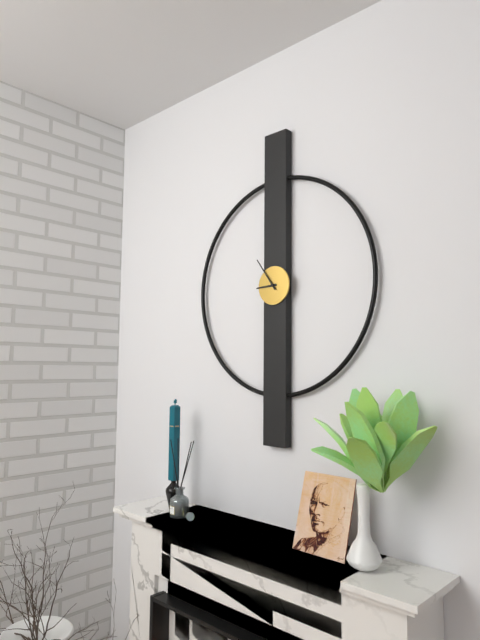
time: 8:54
